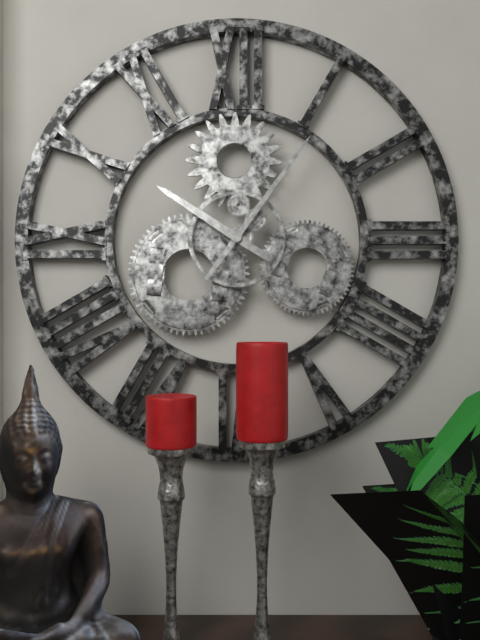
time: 10:06
